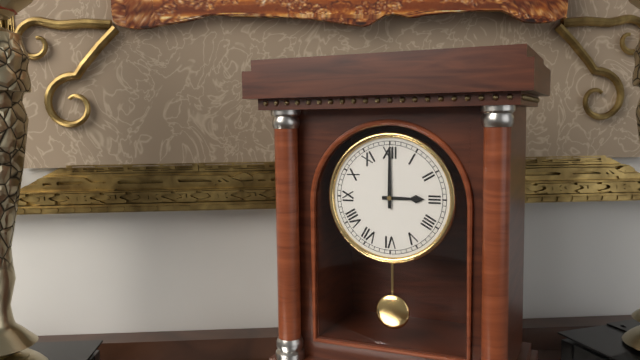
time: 3:00
